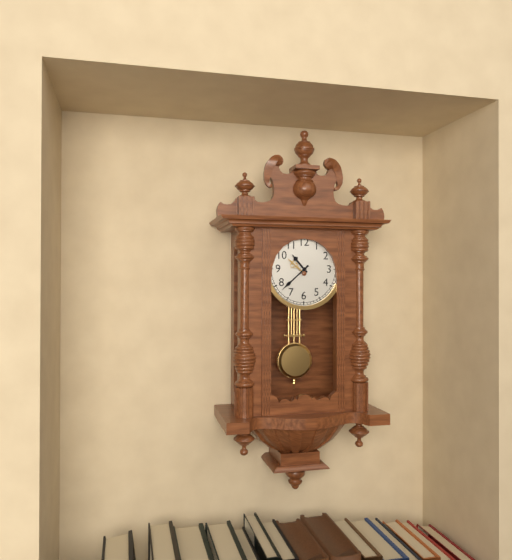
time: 10:38
